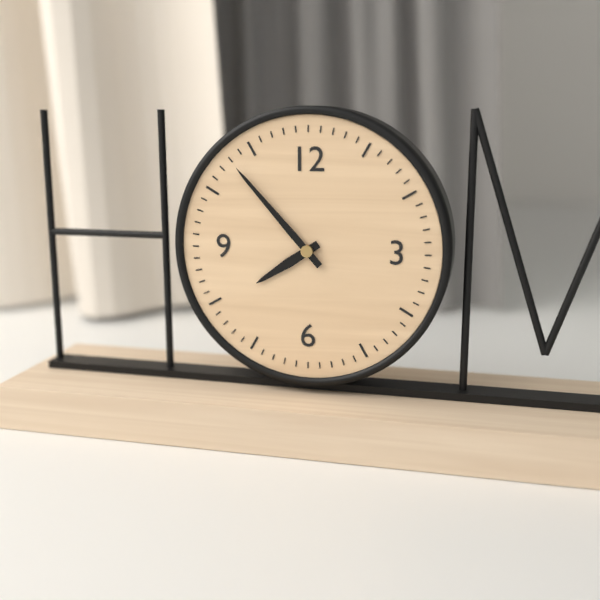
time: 7:53
